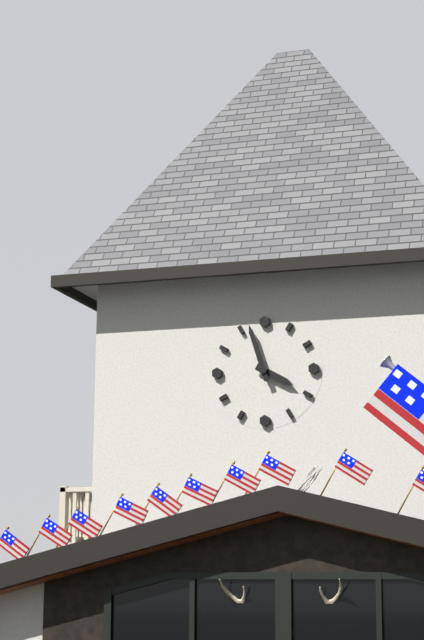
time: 3:57
